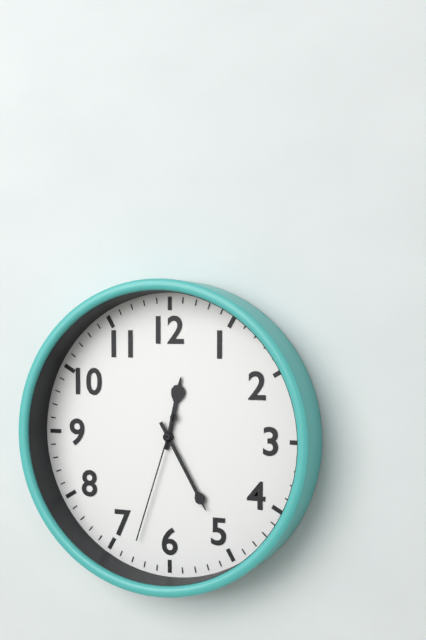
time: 12:25:33
